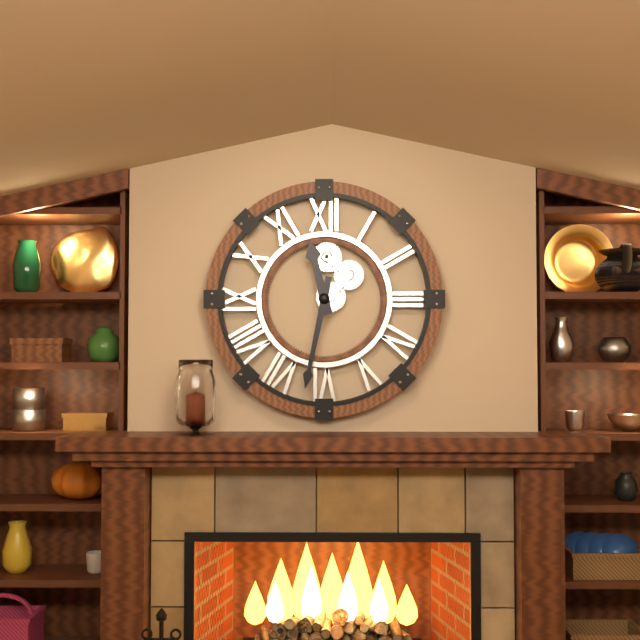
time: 11:32
